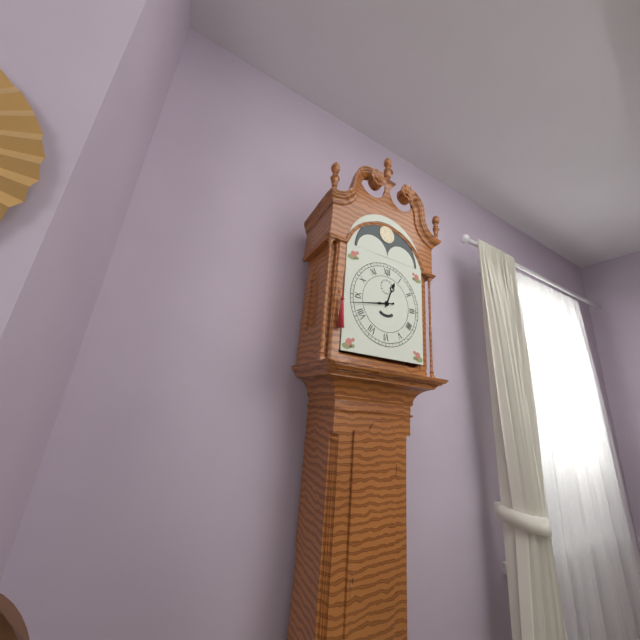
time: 12:43
